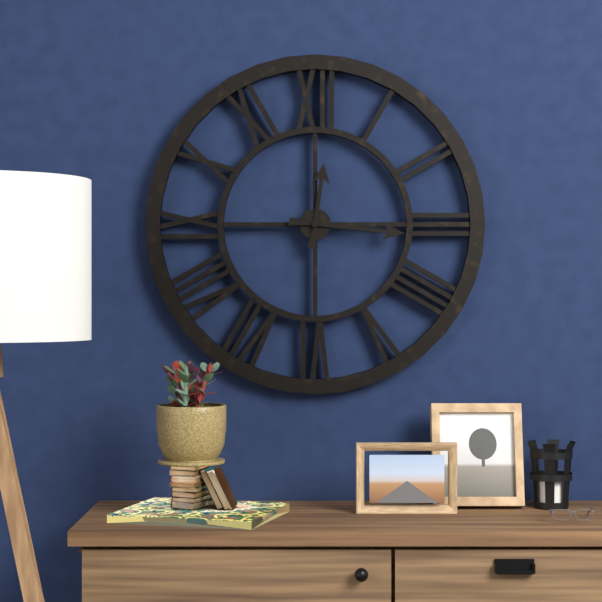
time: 12:16
